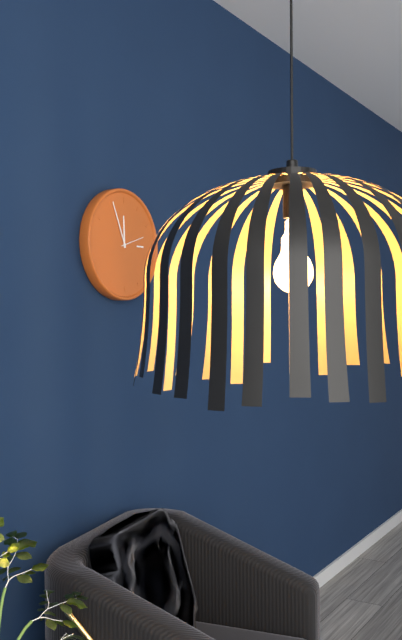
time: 11:56
